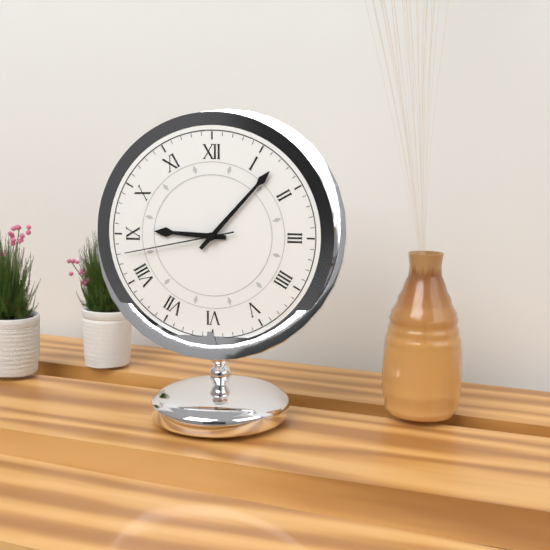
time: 9:07:43
